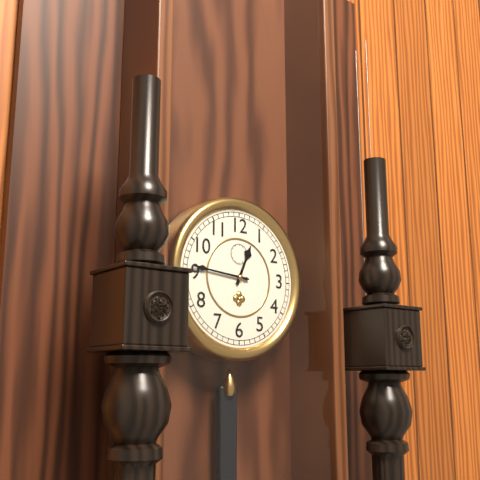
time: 12:46
